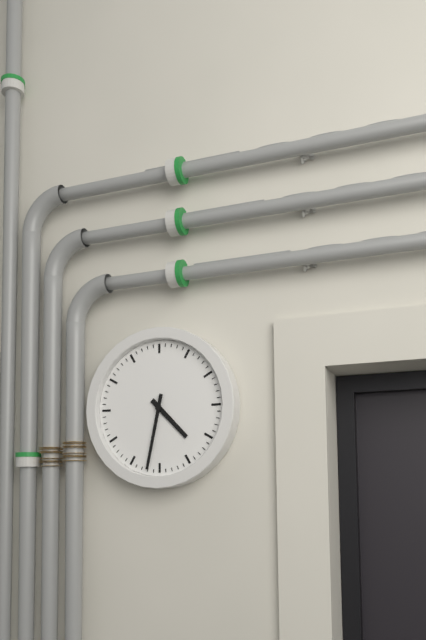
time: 4:32
